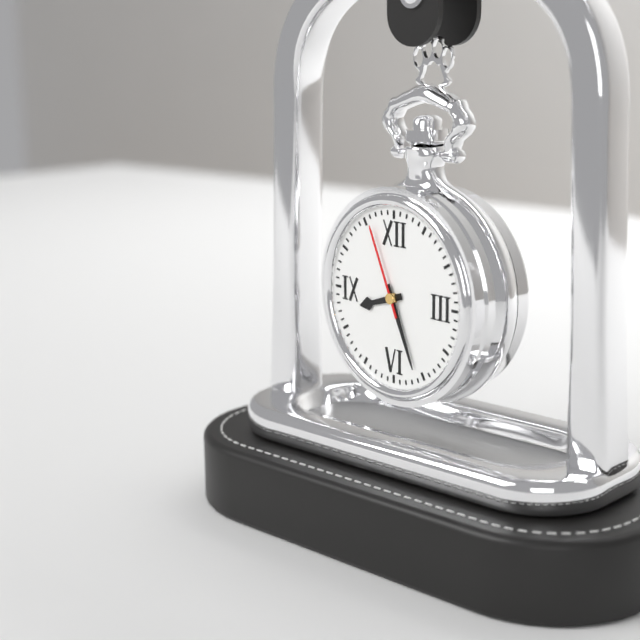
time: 8:26:56
